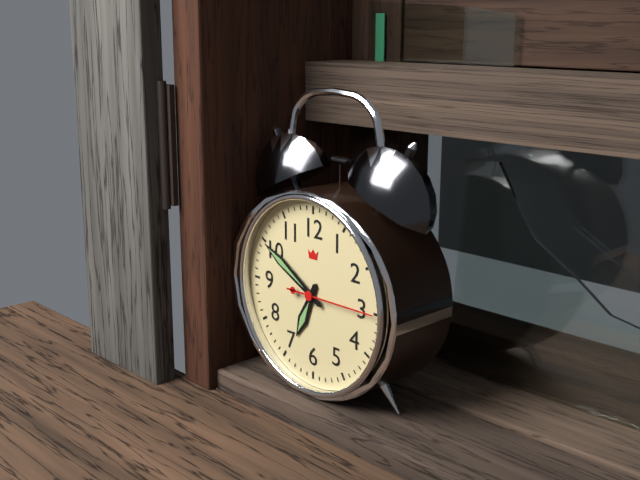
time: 6:50:15
